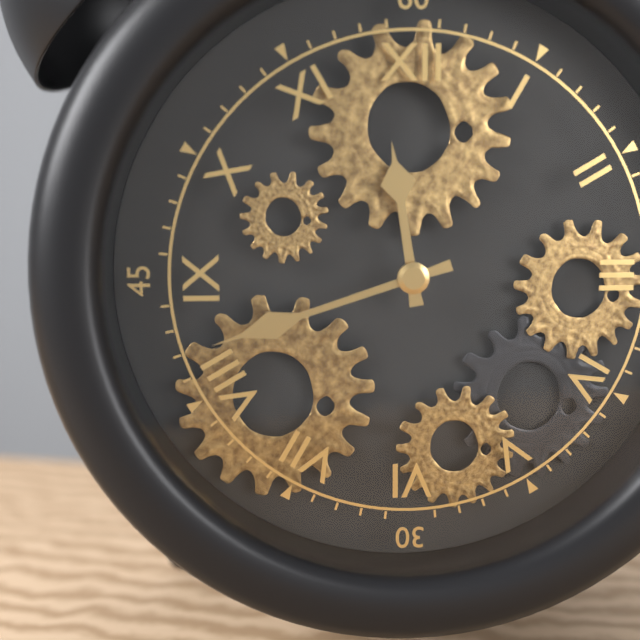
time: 11:42
